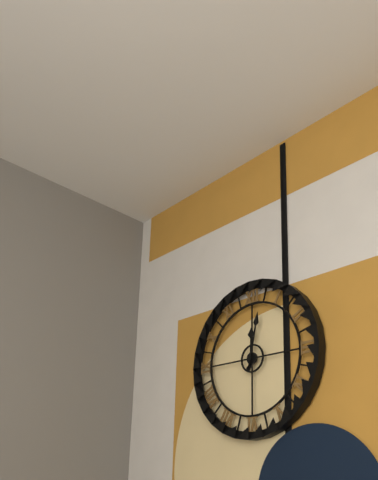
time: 12:02
